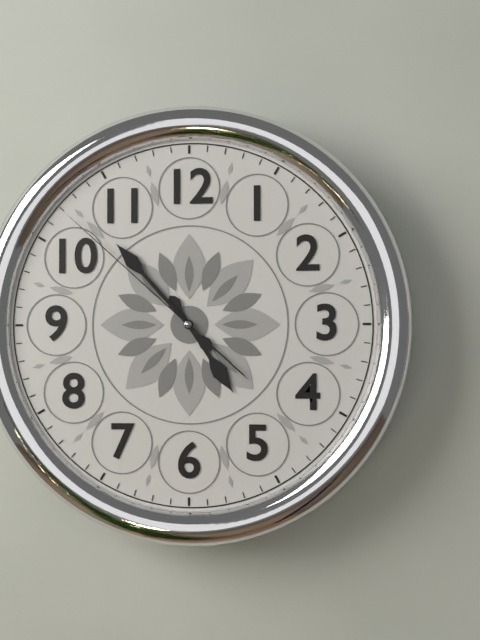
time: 4:53:52
